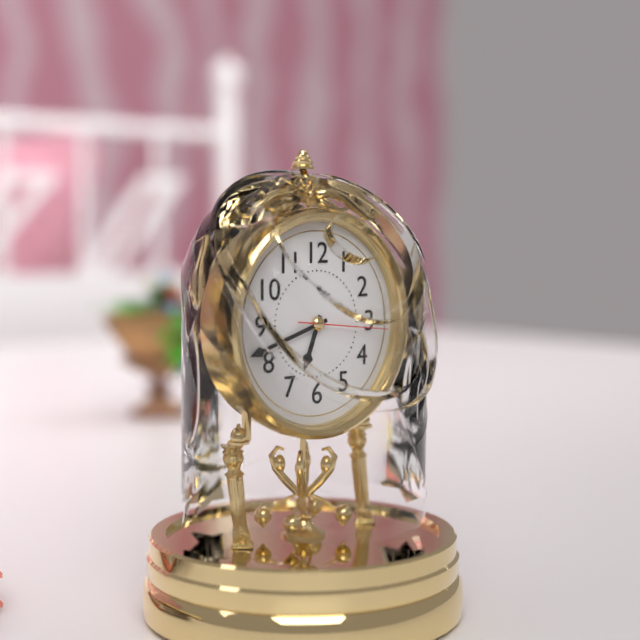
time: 6:42:16
